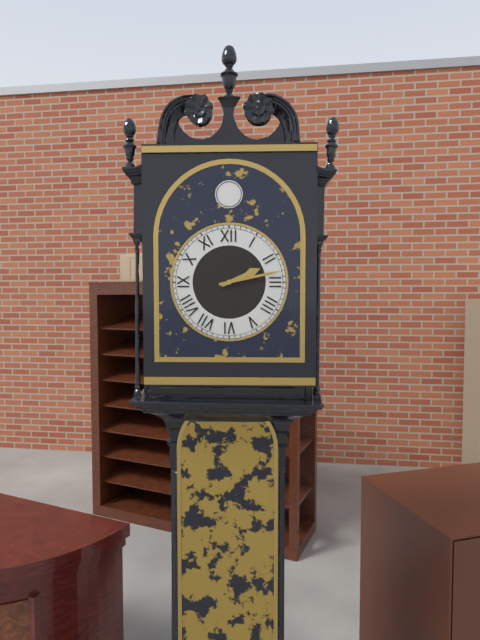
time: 2:13
